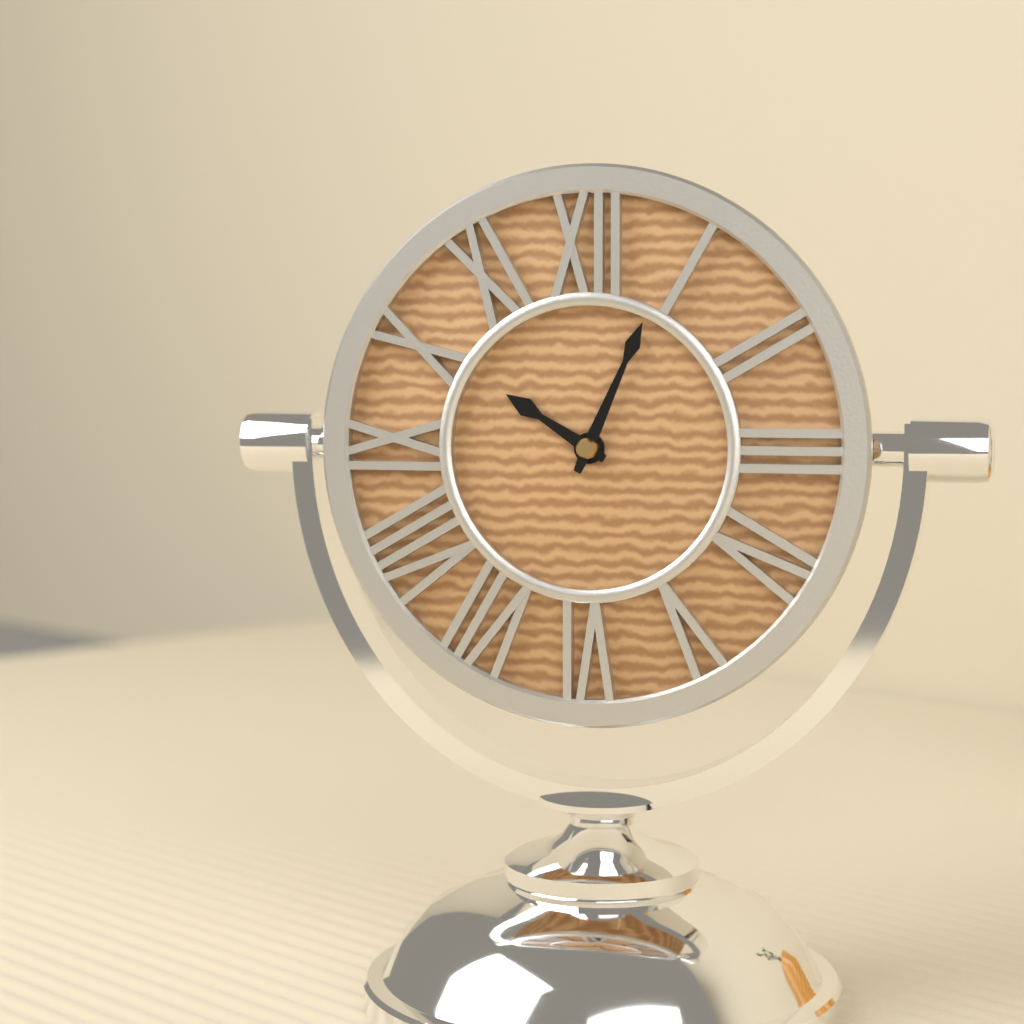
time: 10:04
